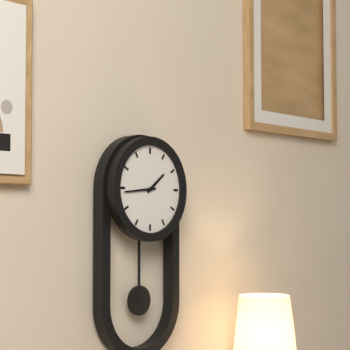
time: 1:44
